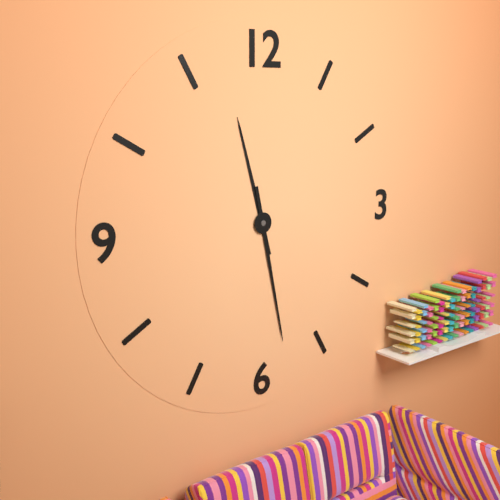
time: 11:28
